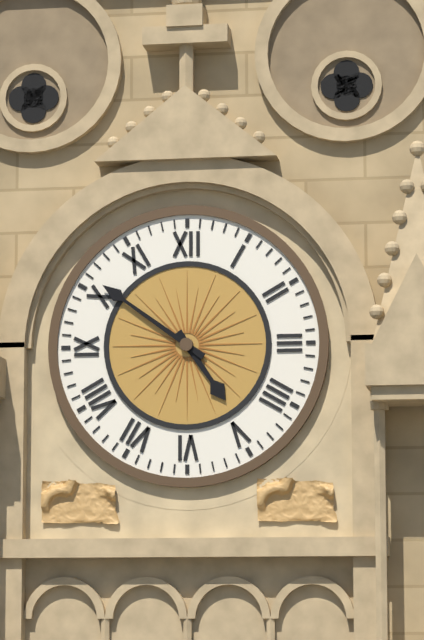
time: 4:51
